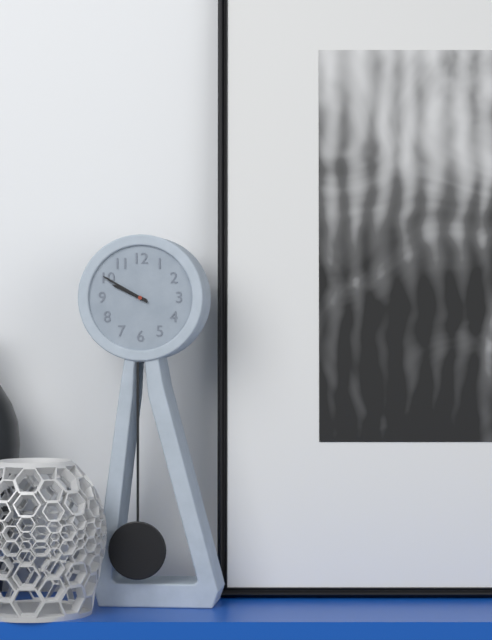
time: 9:50
